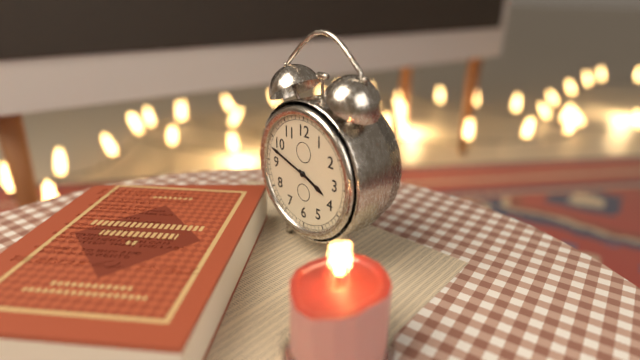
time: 3:48
